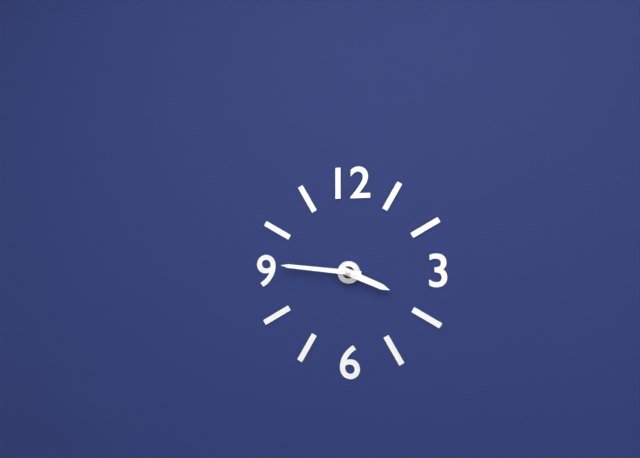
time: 3:46
